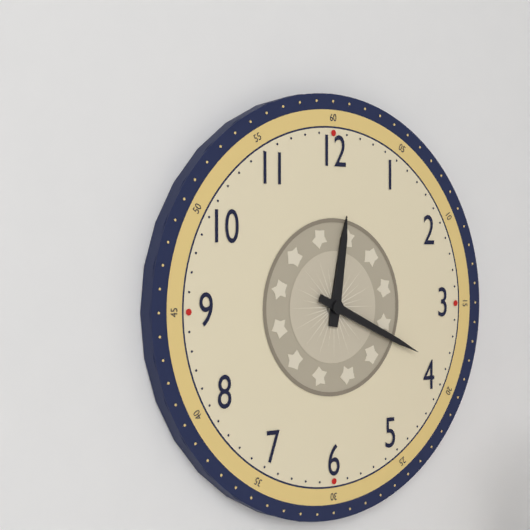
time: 12:19
